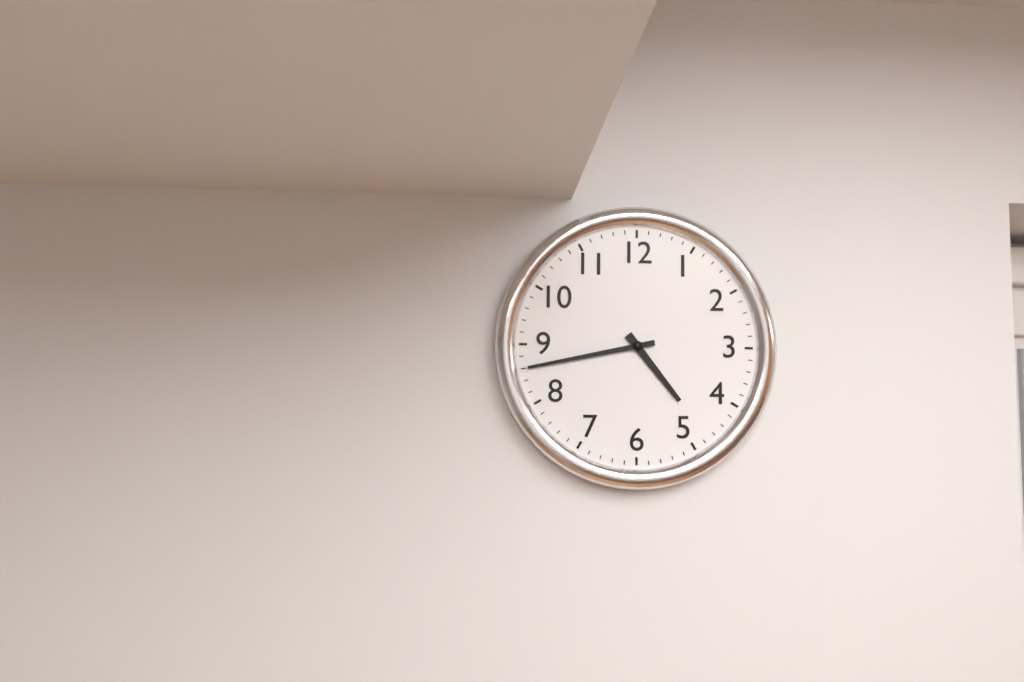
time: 4:43
